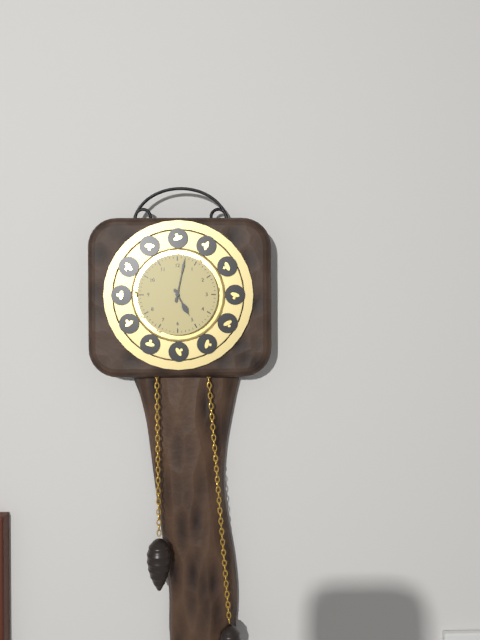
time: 5:02
